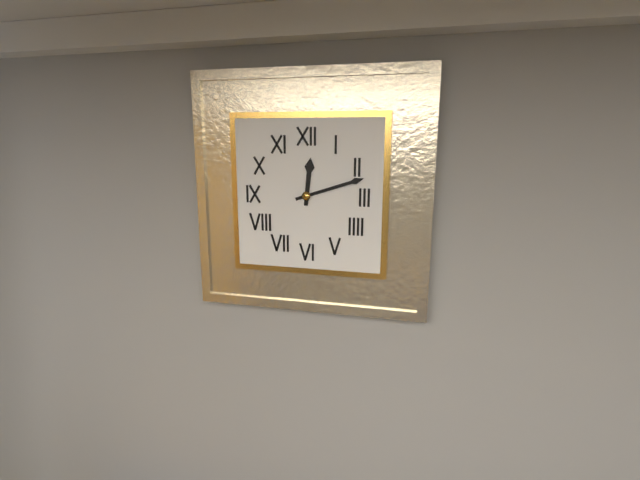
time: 12:12
